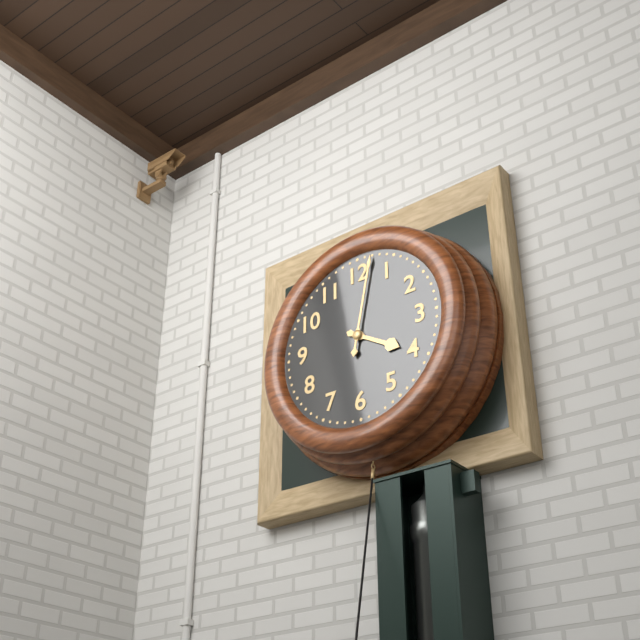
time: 4:02
